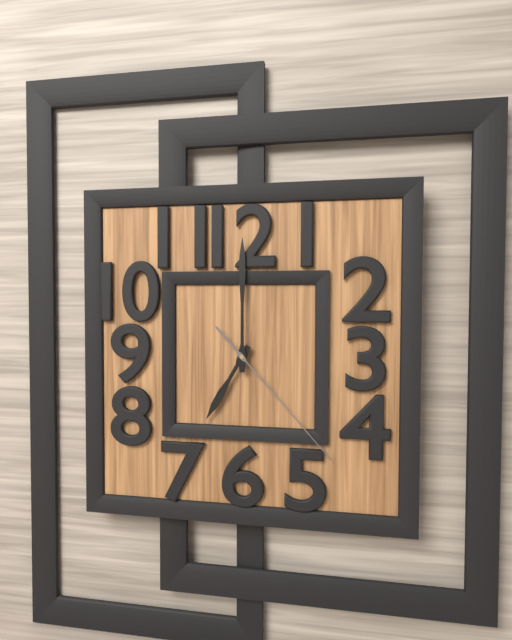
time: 7:00:23
